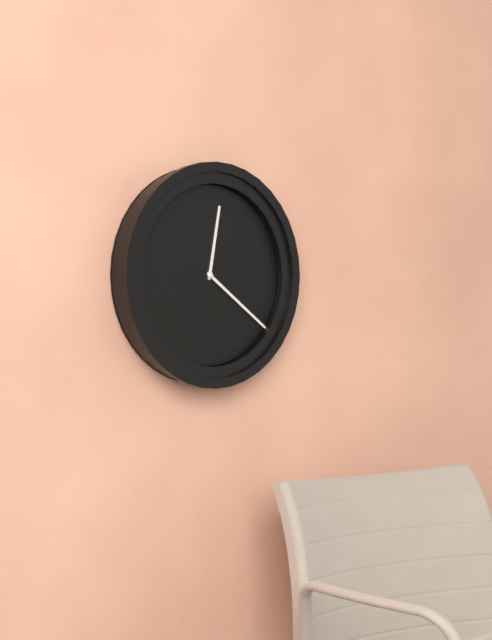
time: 12:21
